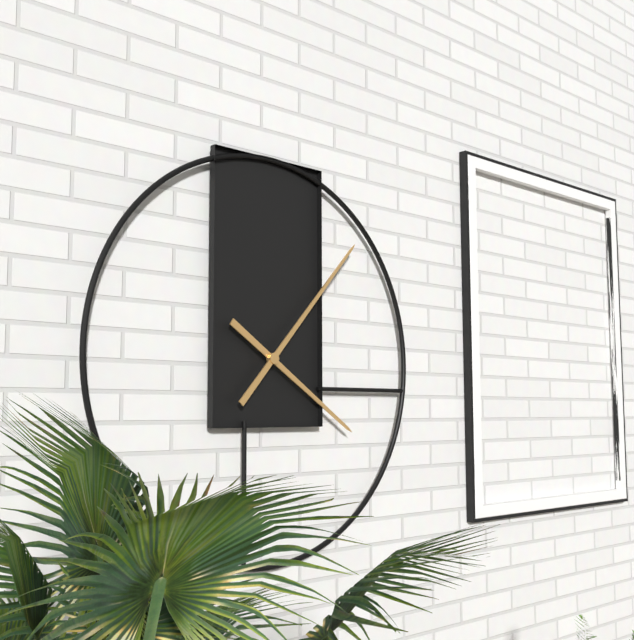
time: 4:07
